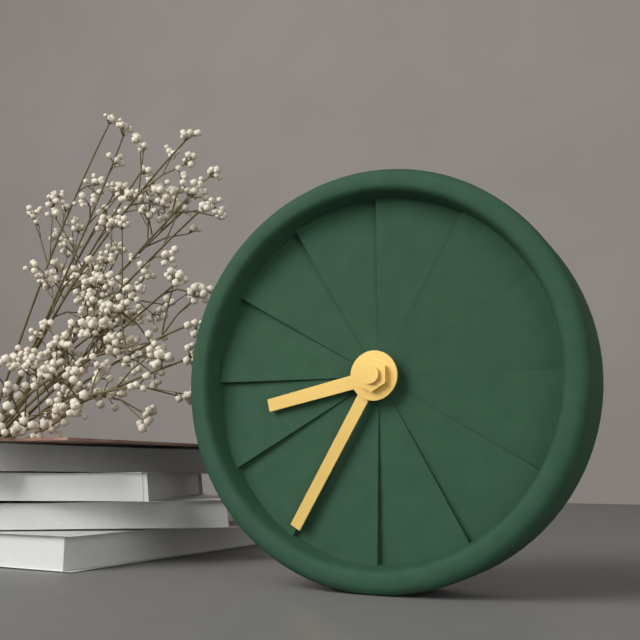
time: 8:35
